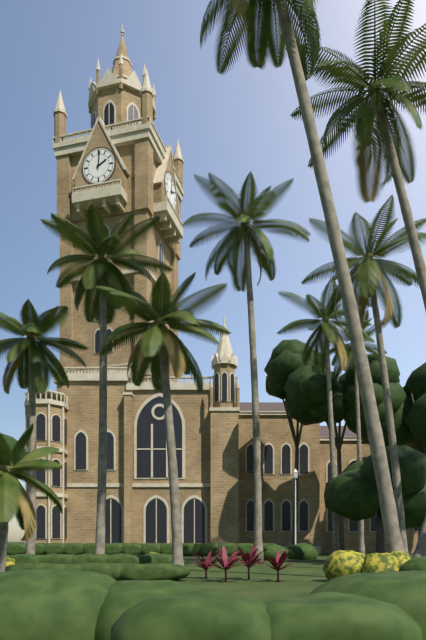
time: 2:01
